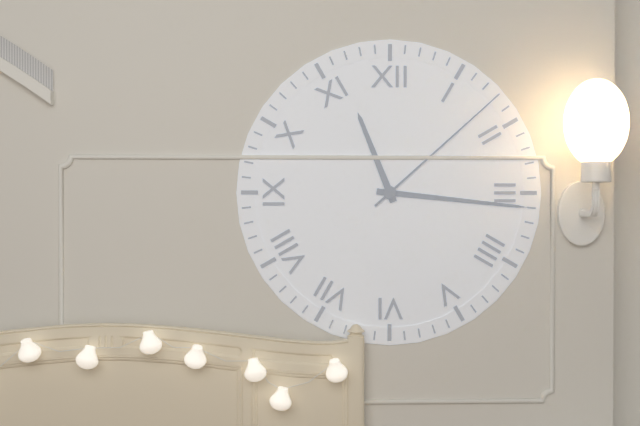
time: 11:16:08
